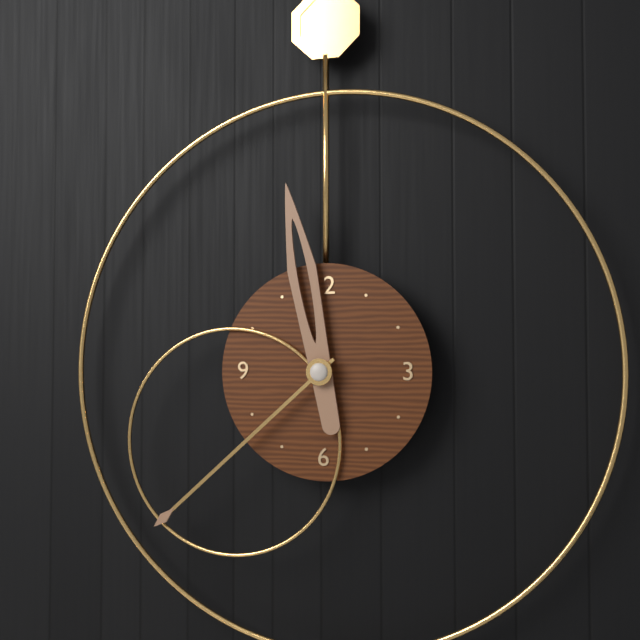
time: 11:38
